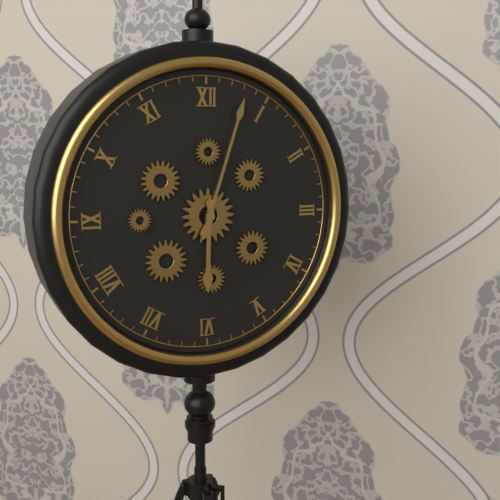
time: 6:03
